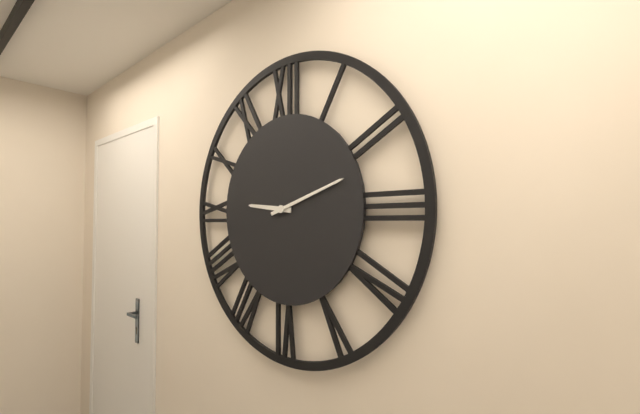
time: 9:12
